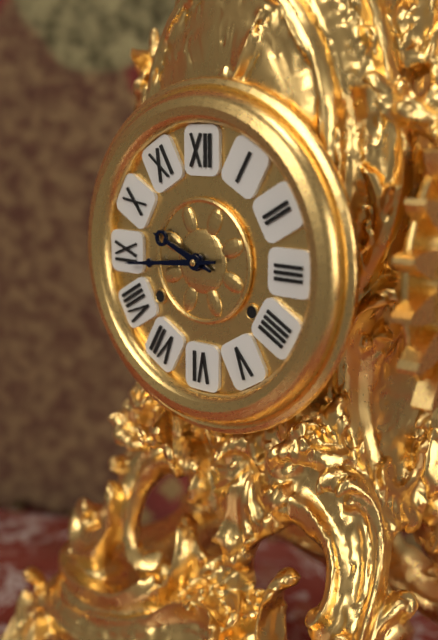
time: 9:44
